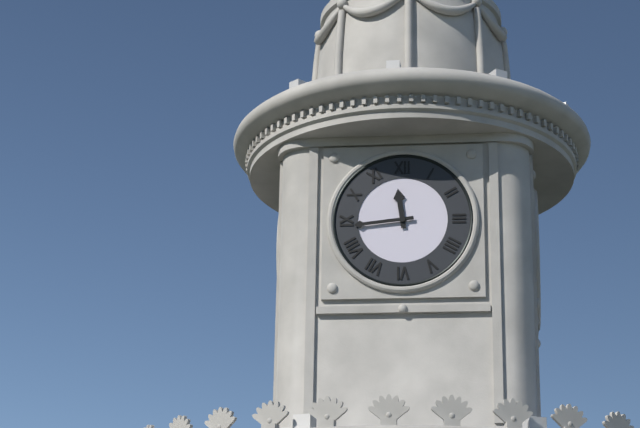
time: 11:44
